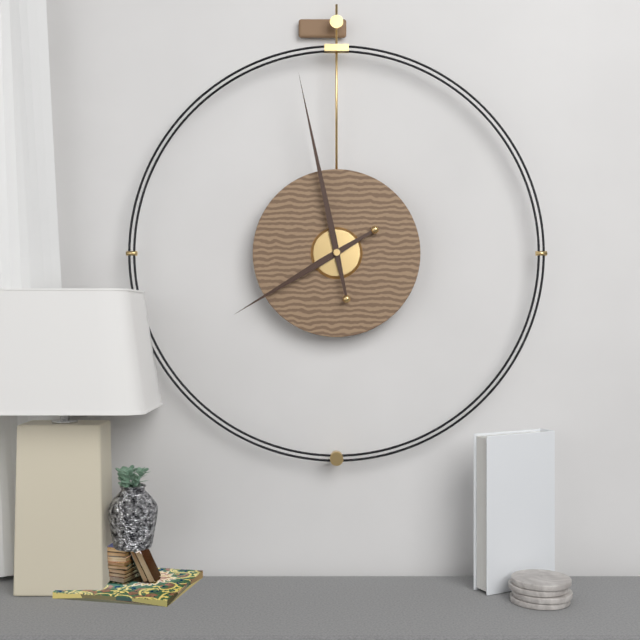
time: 7:58
